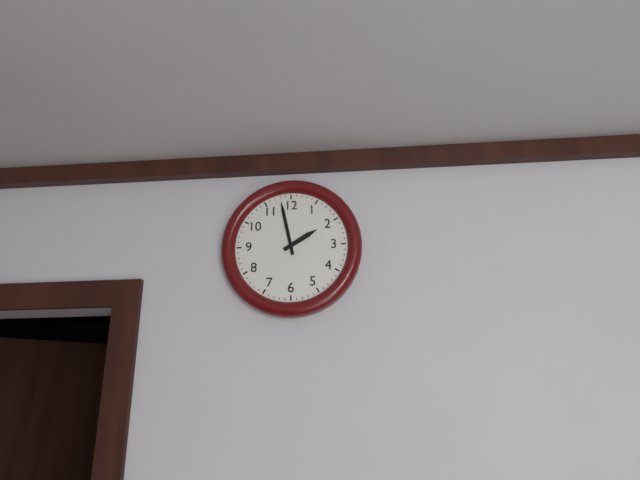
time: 1:58
